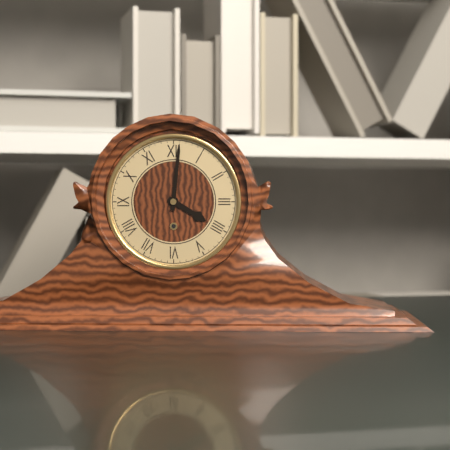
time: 4:01
